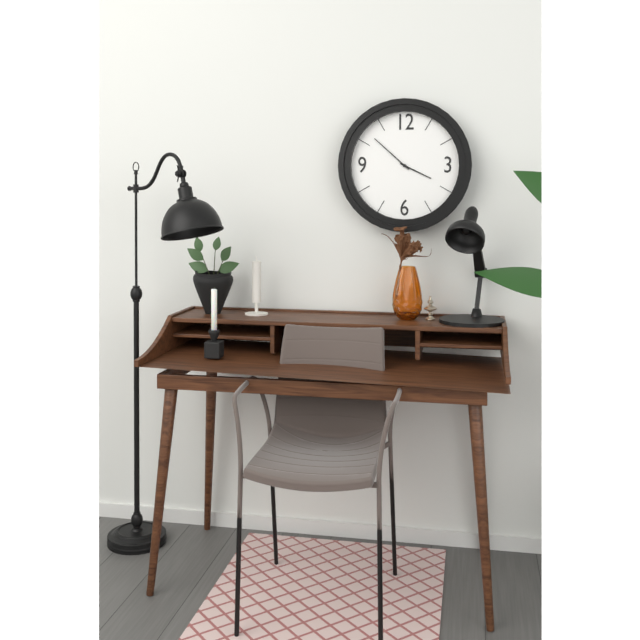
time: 3:52
